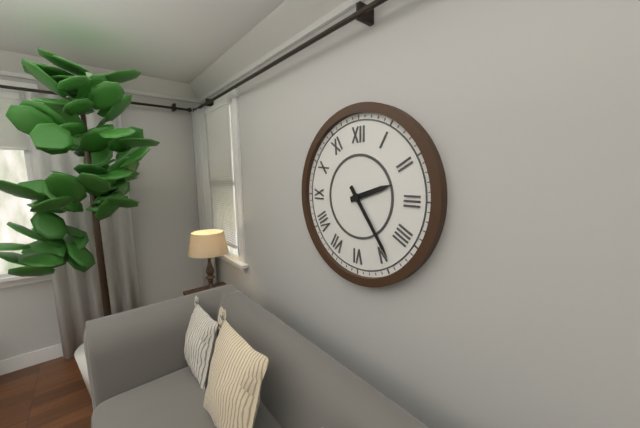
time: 2:24
